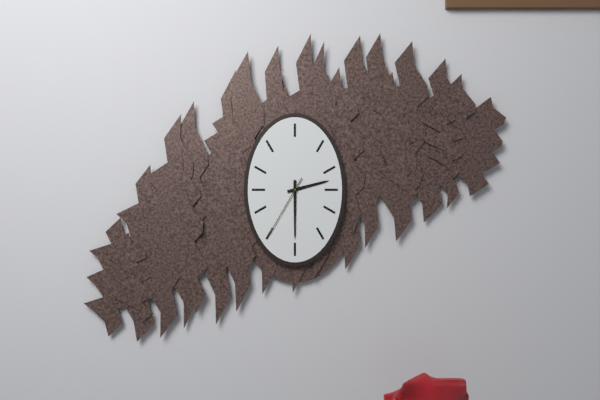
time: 2:30:35
